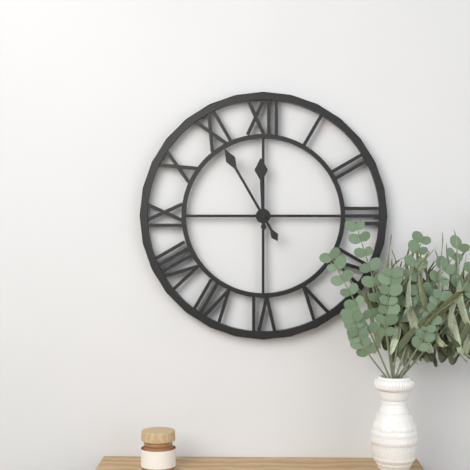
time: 11:55
